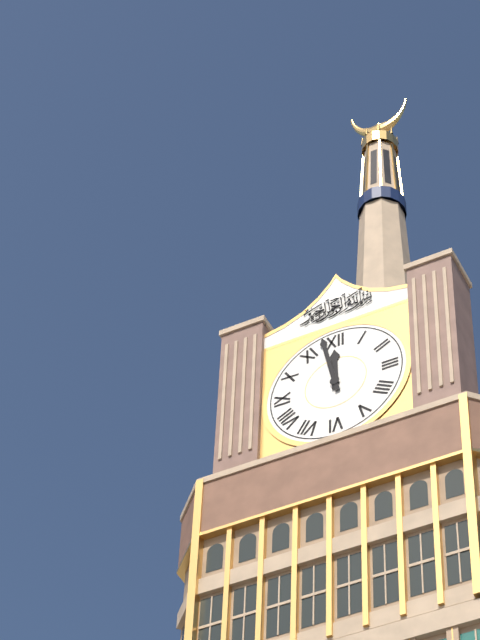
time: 11:58
